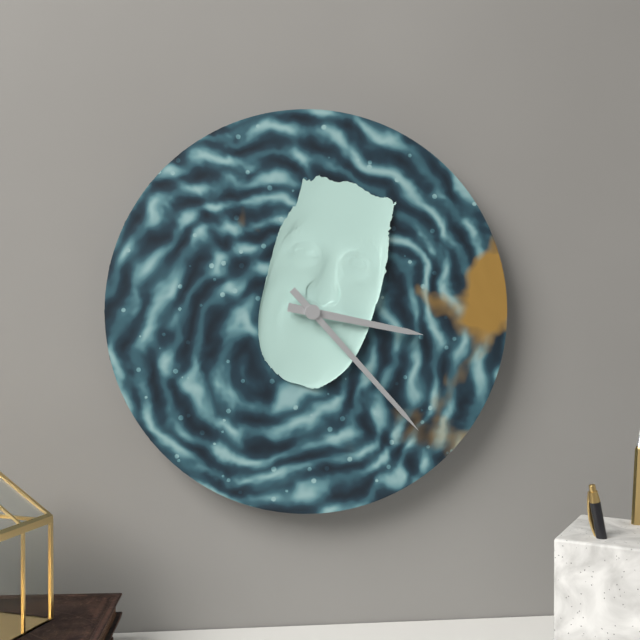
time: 3:23
